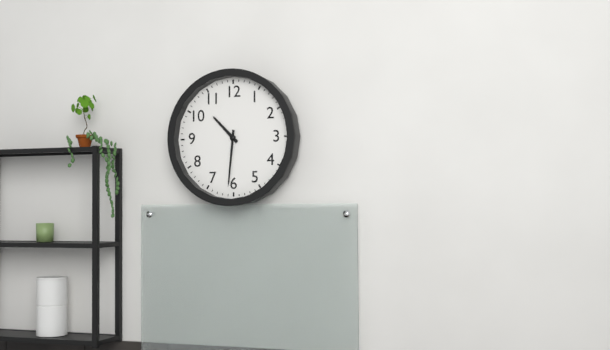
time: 10:31
